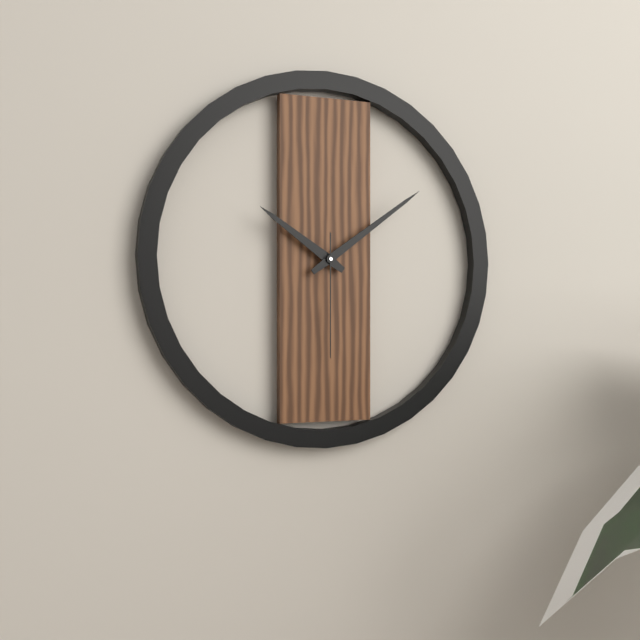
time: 10:09:30
